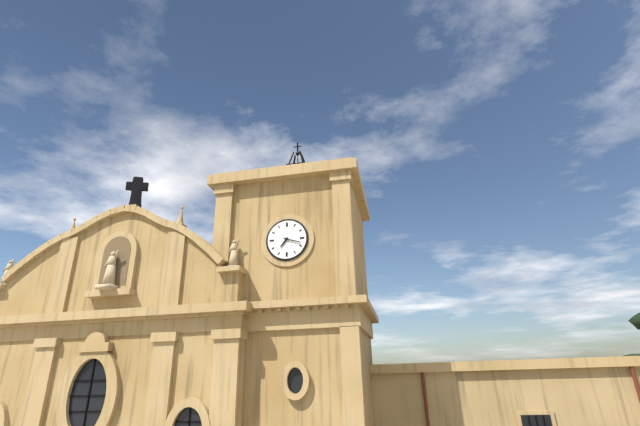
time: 7:18
